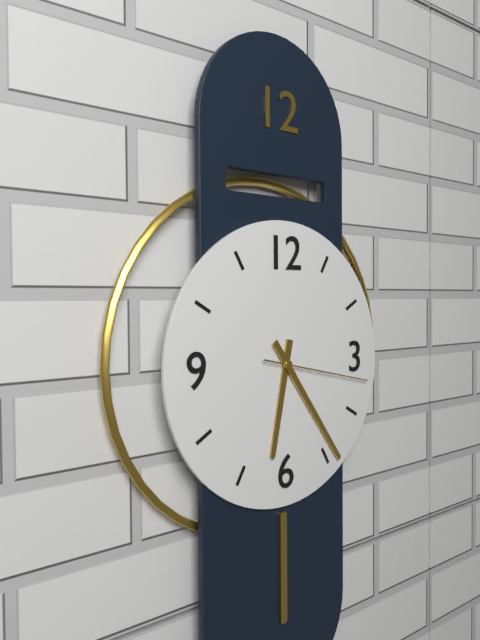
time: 6:24:17
